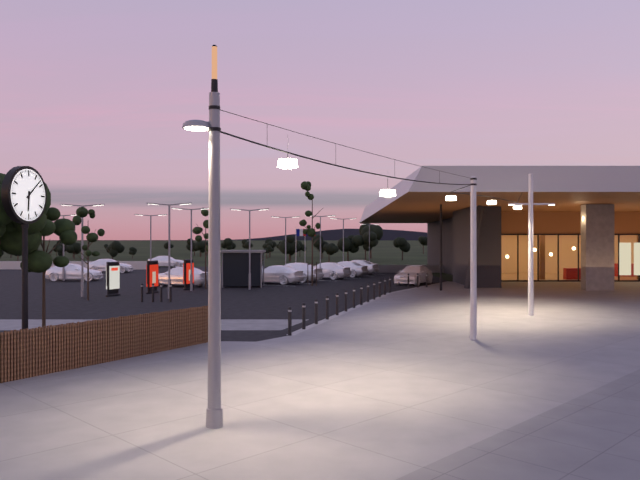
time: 6:08
